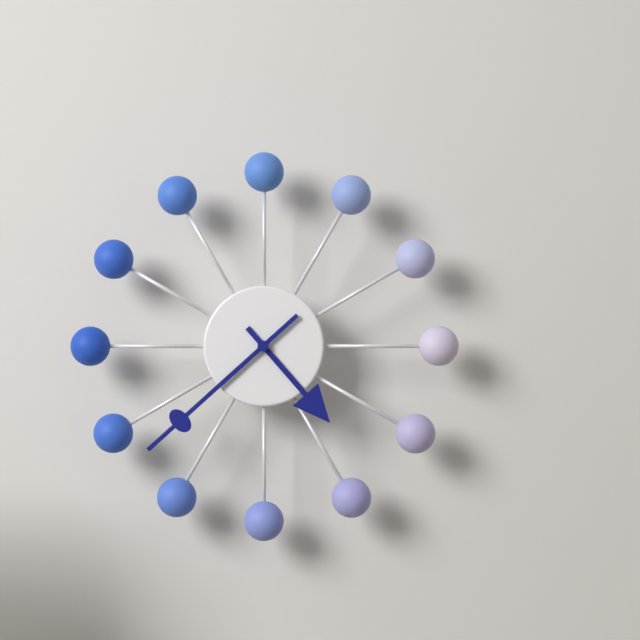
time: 4:38
